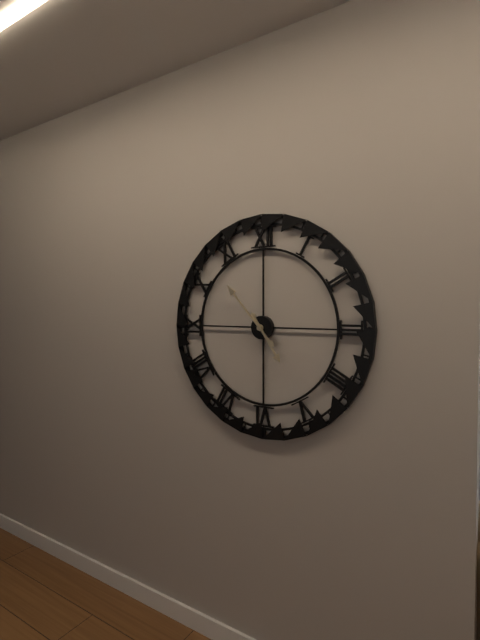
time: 4:53
